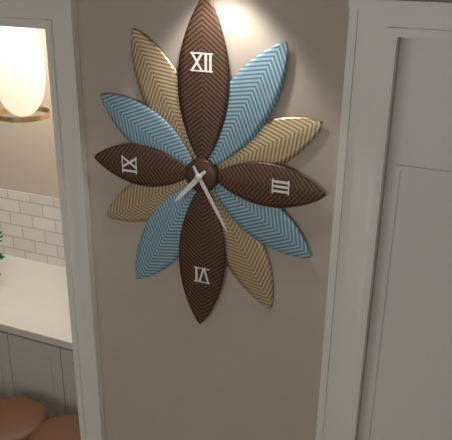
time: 7:25
